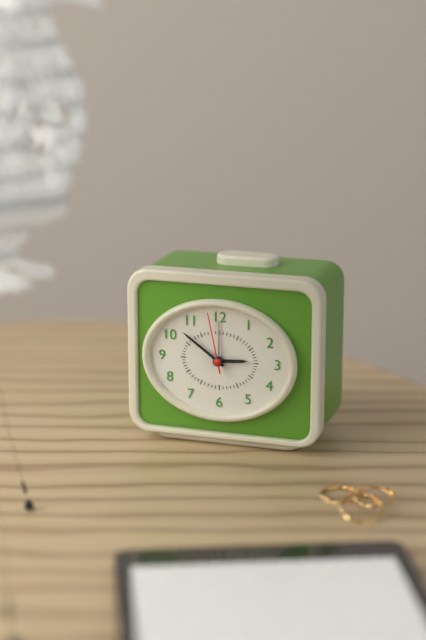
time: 2:51:58
